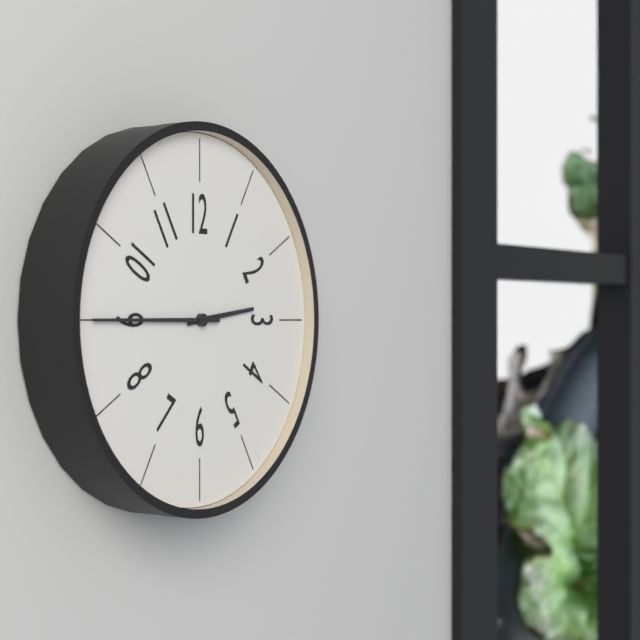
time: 2:45
